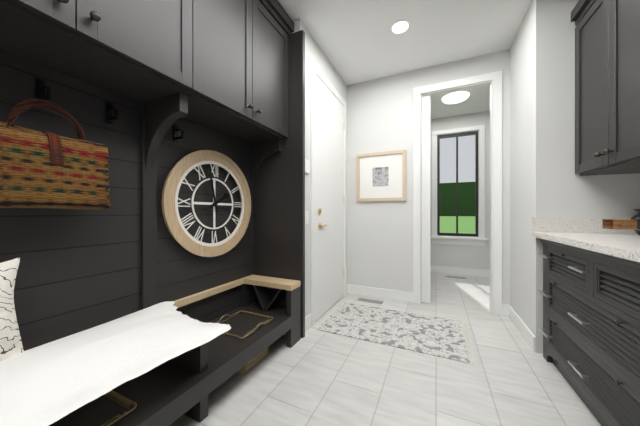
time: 1:58
